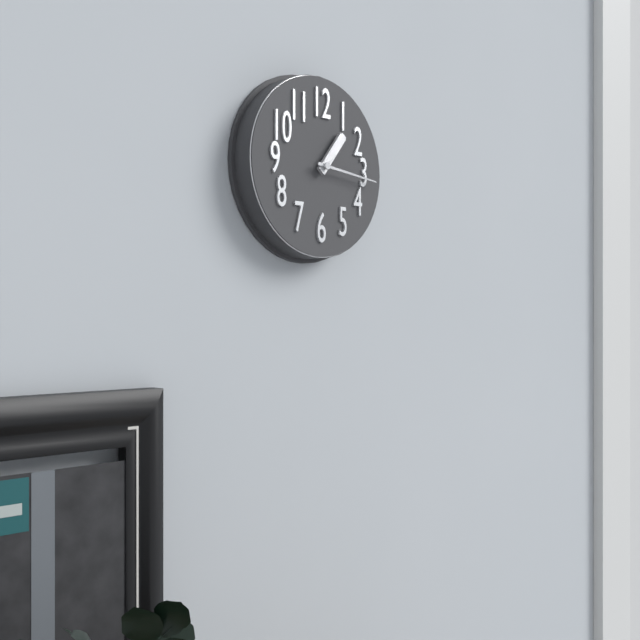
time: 1:16
